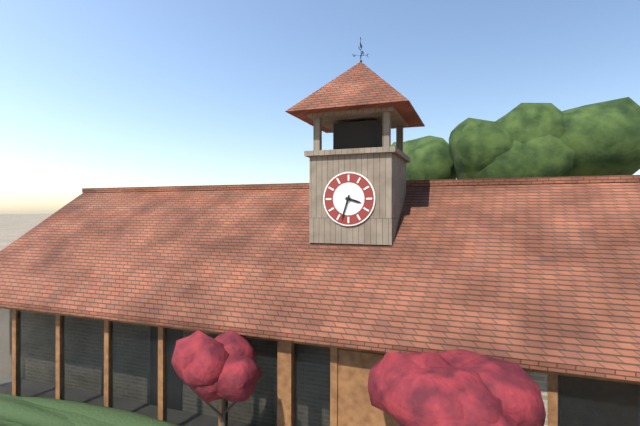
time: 3:33
